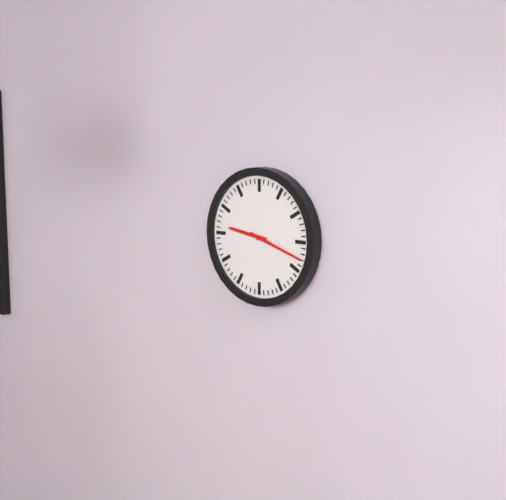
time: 9:18
